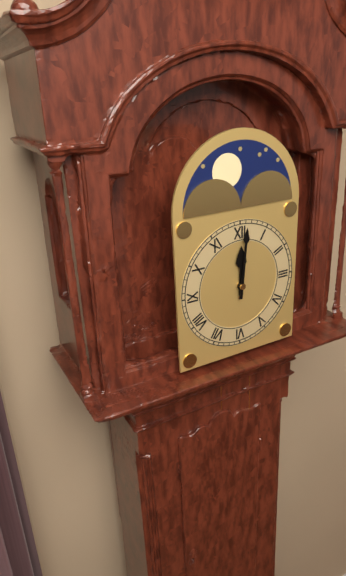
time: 12:01
